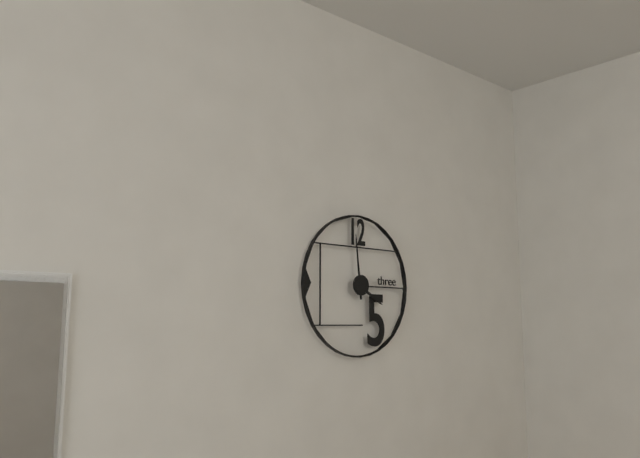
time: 3:59
